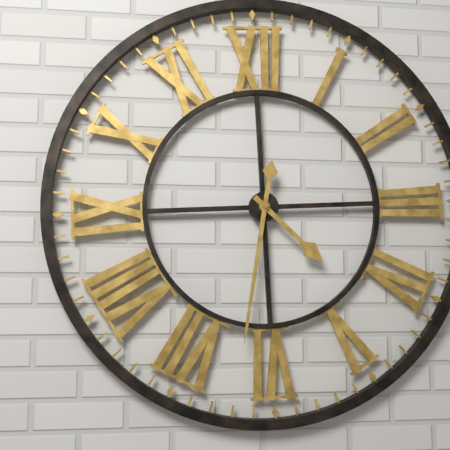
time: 4:32
